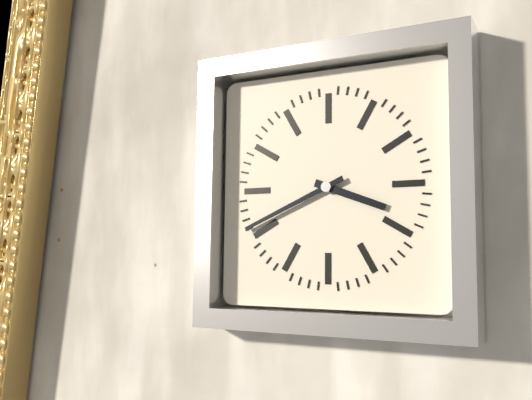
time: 3:41
